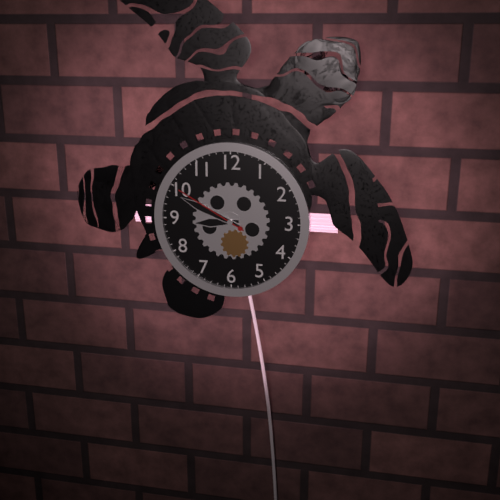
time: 8:49:50
